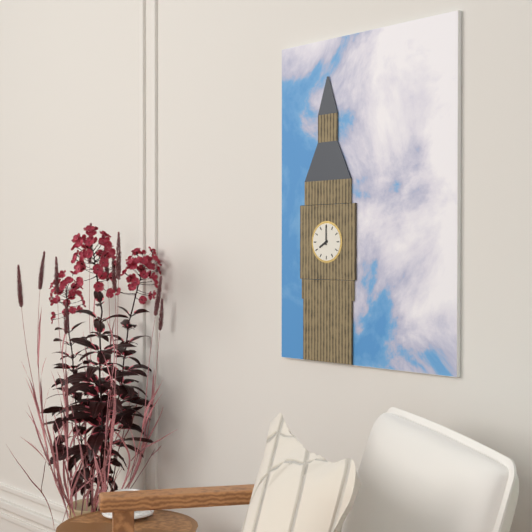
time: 8:00
